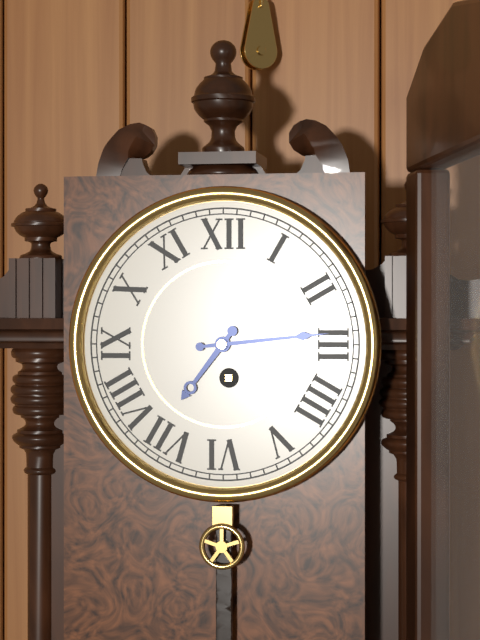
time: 7:14
